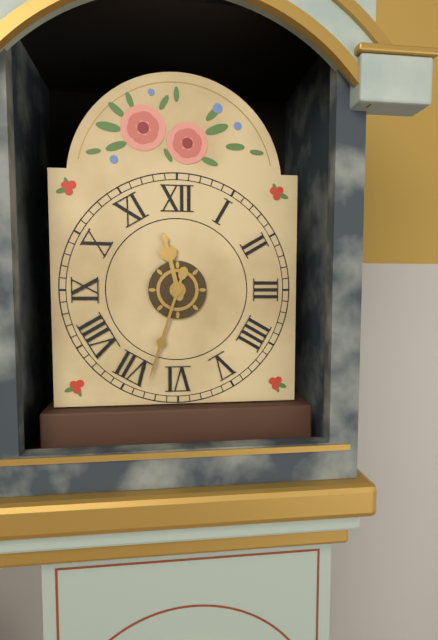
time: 11:33
